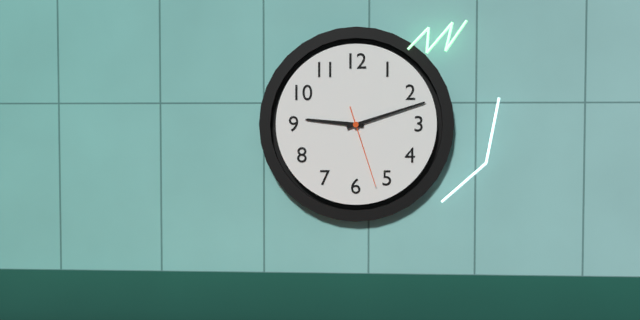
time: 9:12:27
